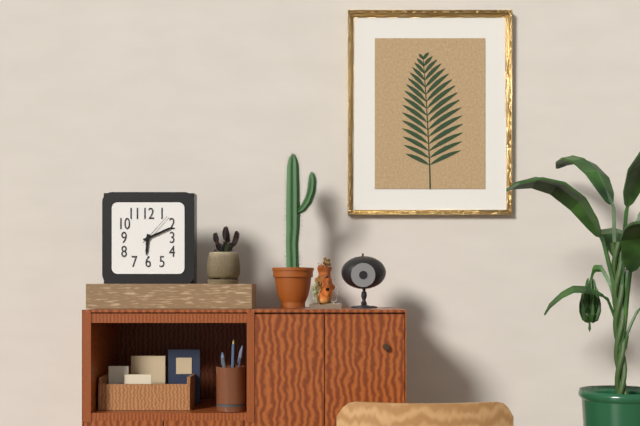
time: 6:11
